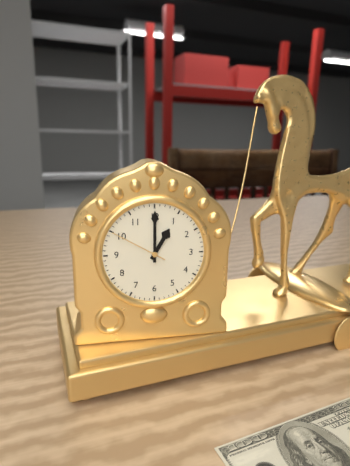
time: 1:00:50
